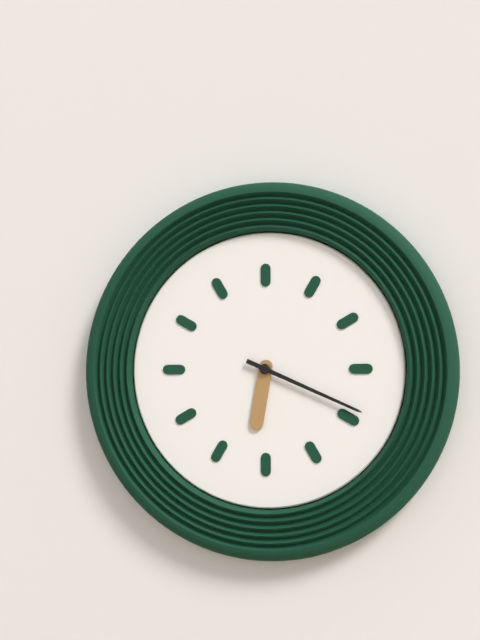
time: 6:19
